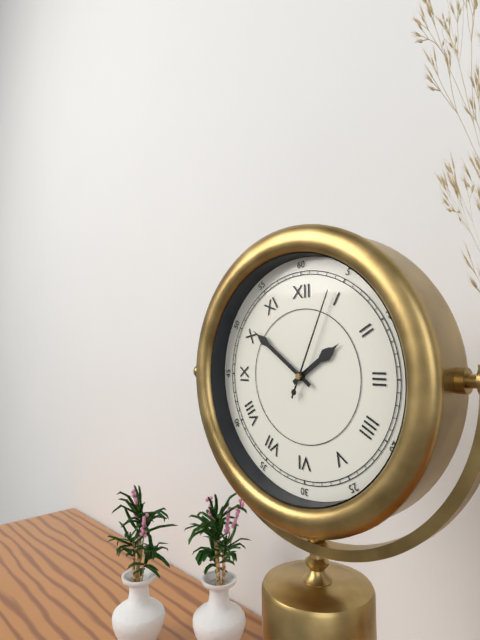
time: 1:51:04
